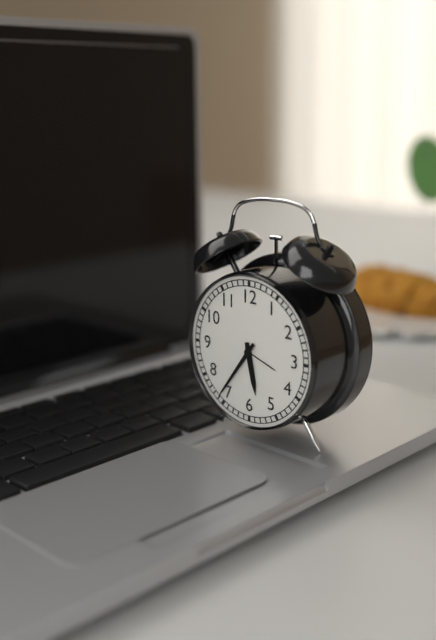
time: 5:36
